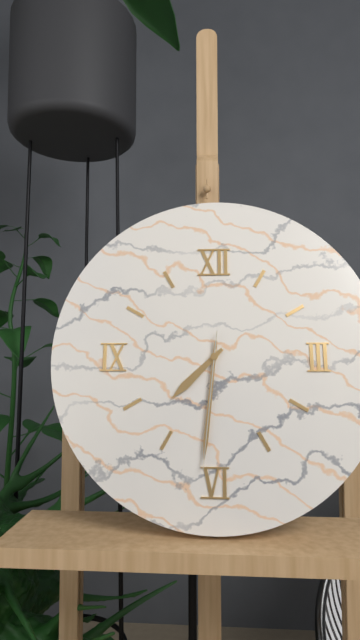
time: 7:31:31
